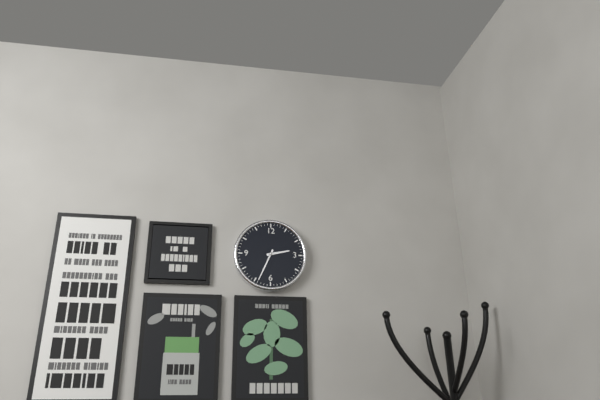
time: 2:34
